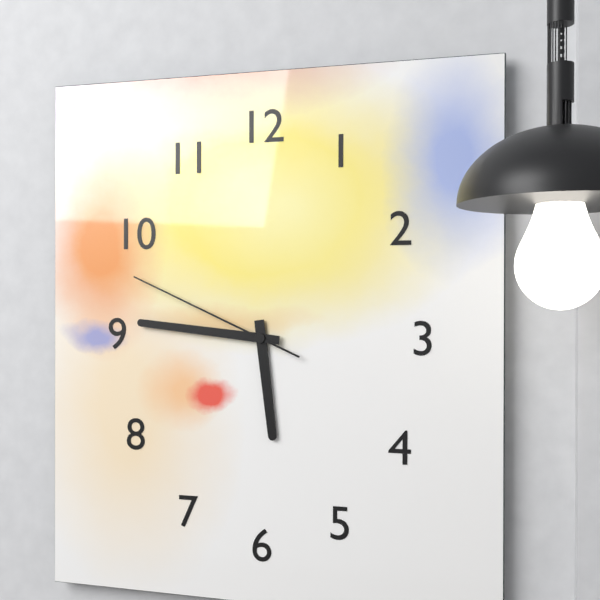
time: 5:46:49
